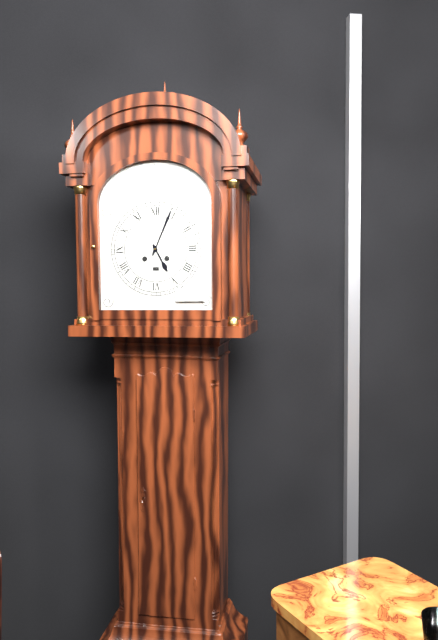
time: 5:04
